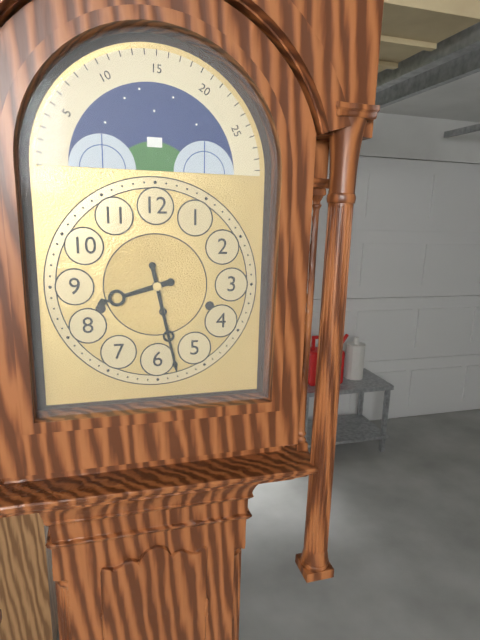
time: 8:28
